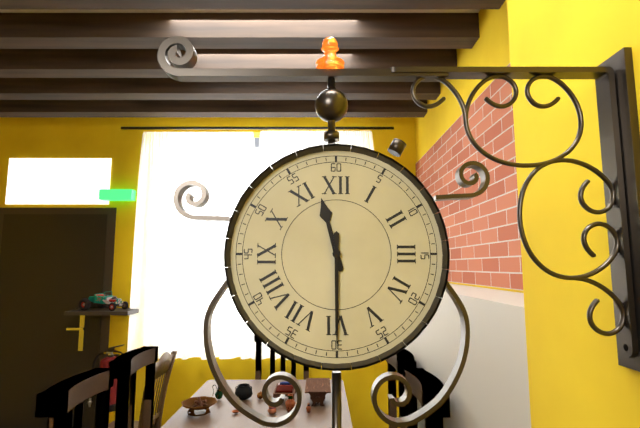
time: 11:30
